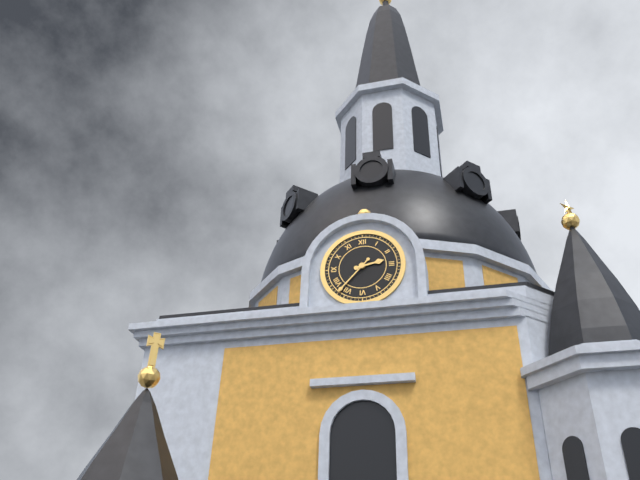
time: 2:37
